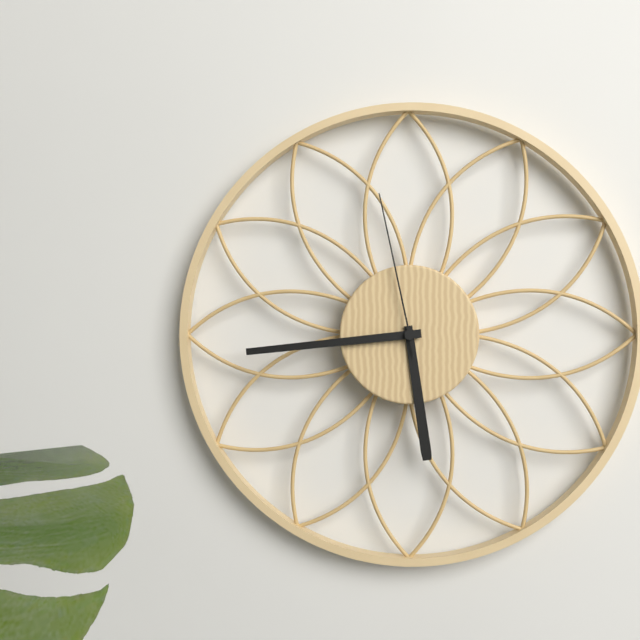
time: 5:44:58
